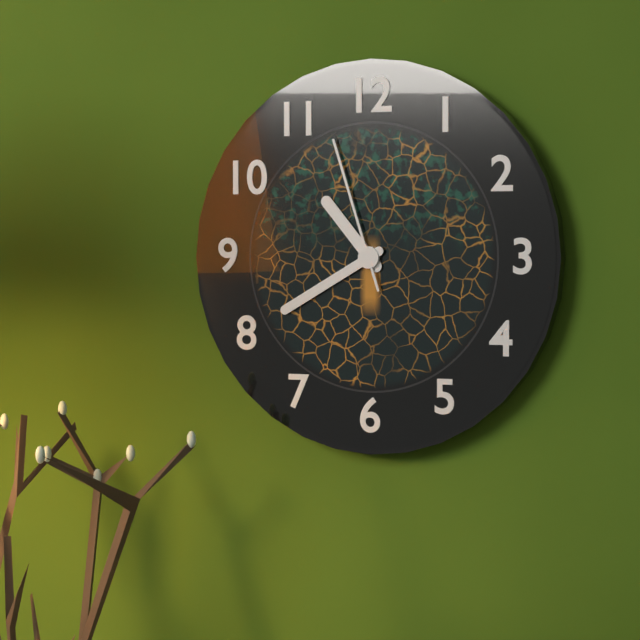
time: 10:40:57
